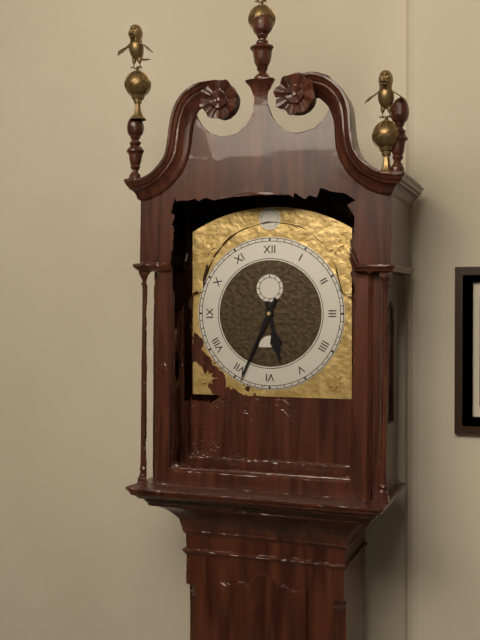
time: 5:34
